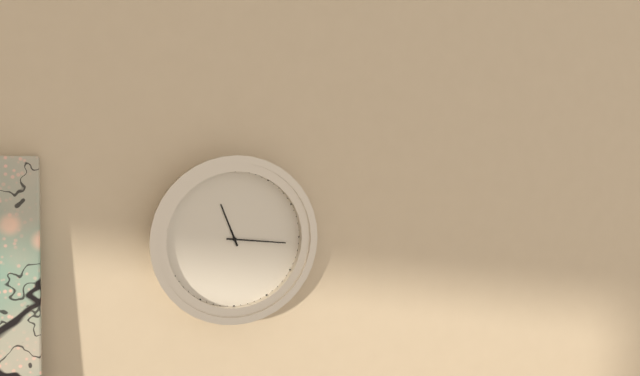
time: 11:16
